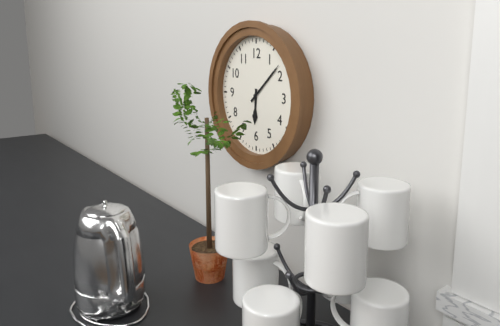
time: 6:08
